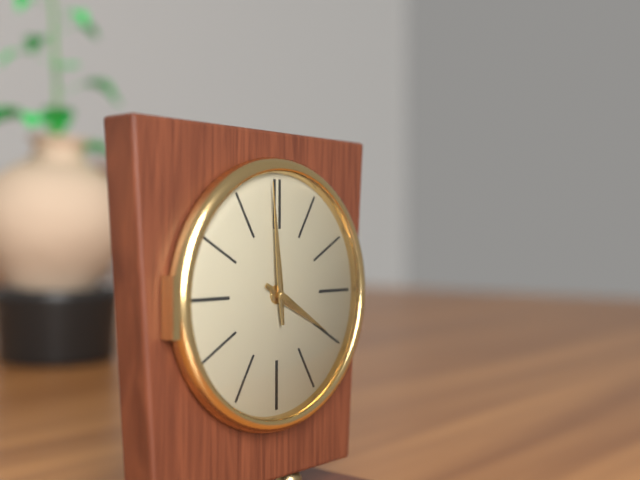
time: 3:59
